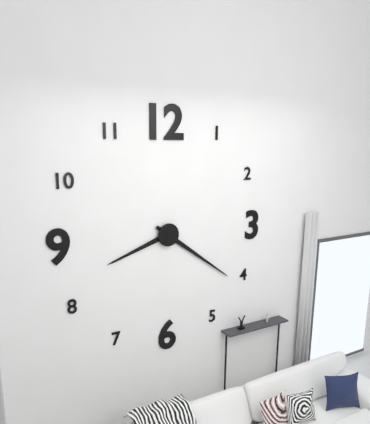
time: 8:21
